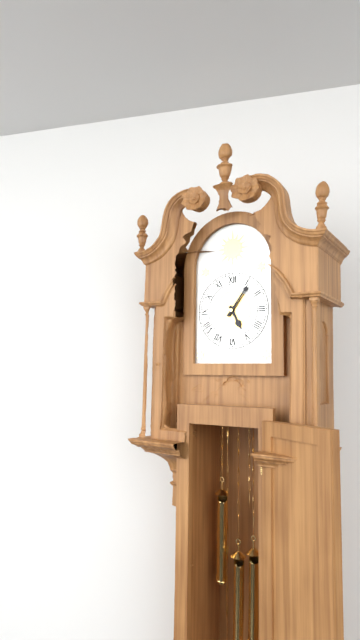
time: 5:06
